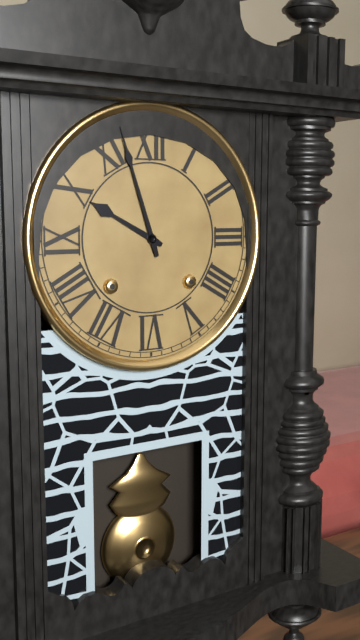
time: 9:57
